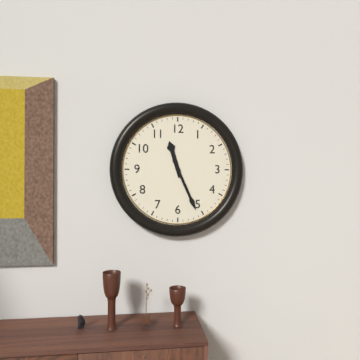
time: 11:26
